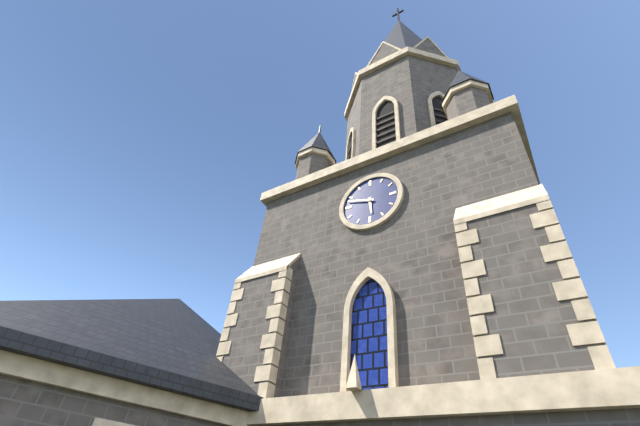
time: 5:48
